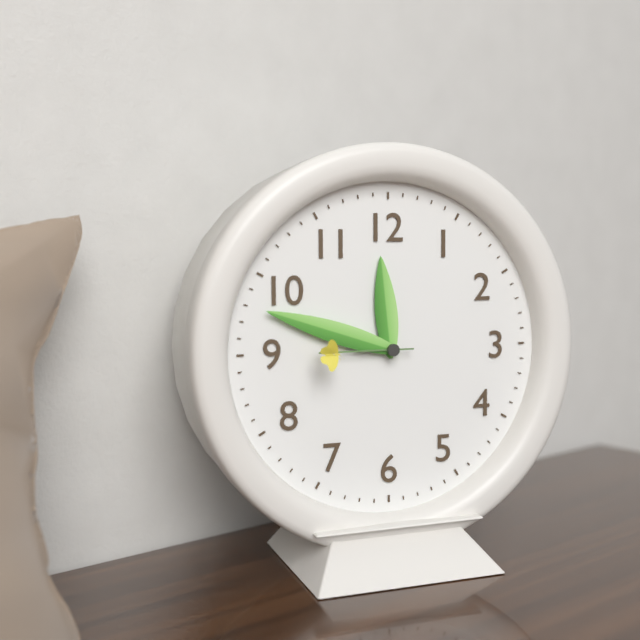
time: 11:48:45
